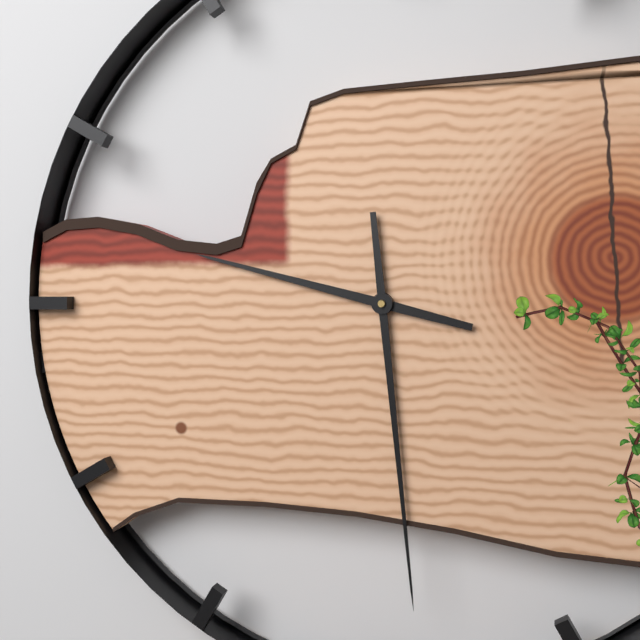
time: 9:29
